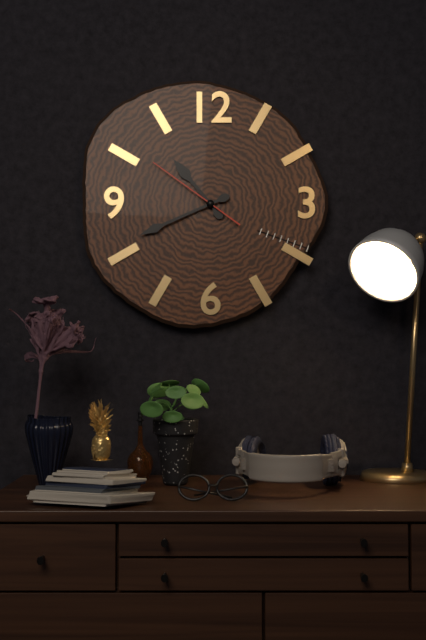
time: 10:41:51
